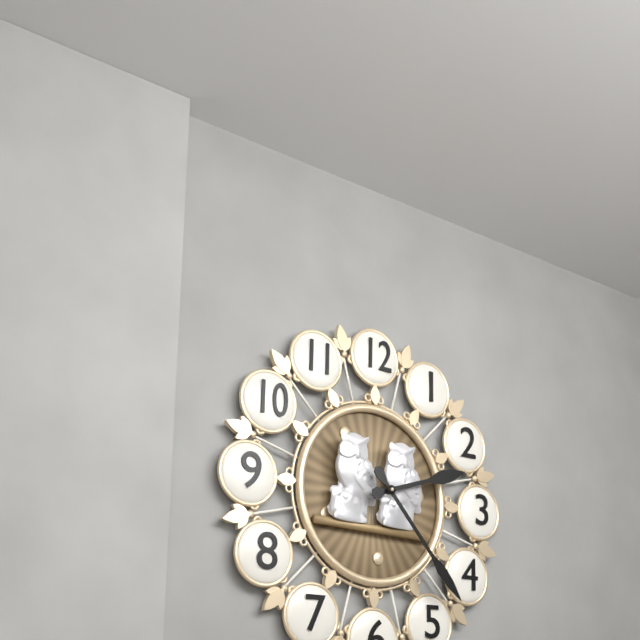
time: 2:23
